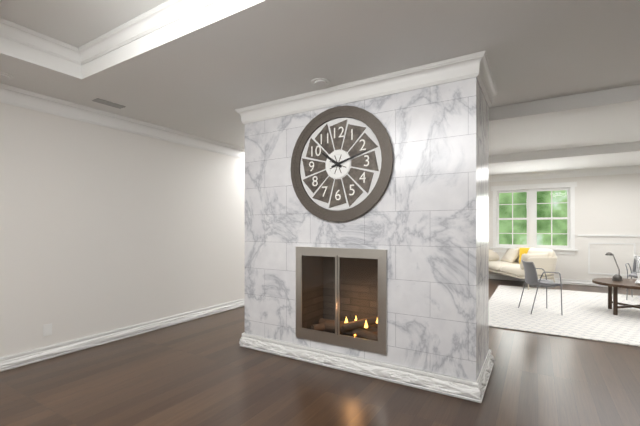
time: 10:12
